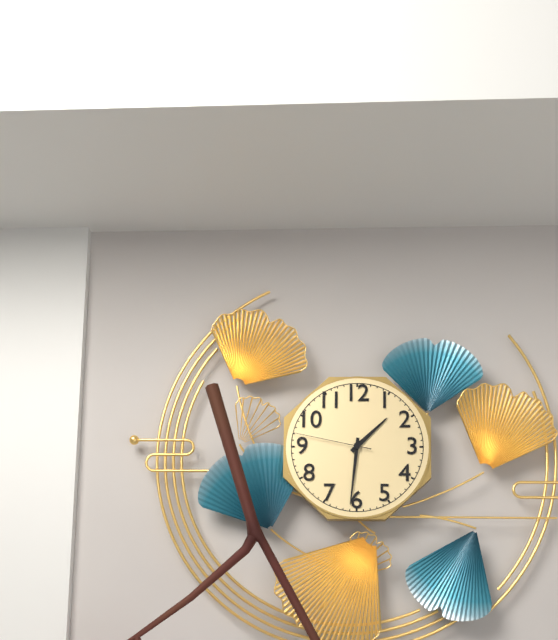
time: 1:31:47
